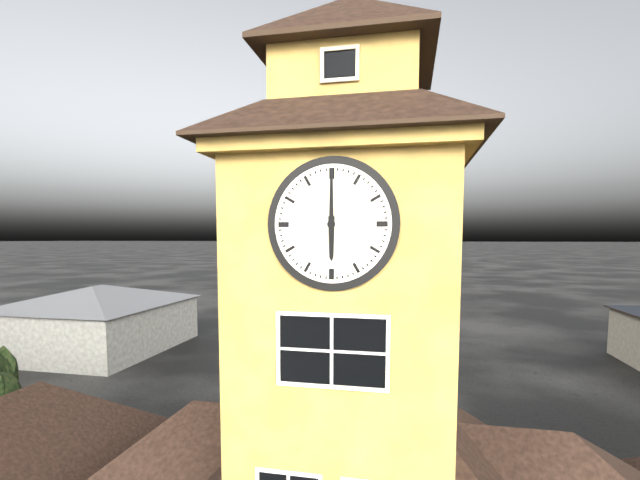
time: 6:00
